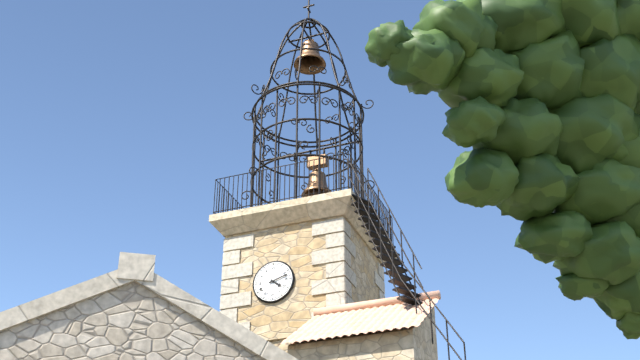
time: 4:12
